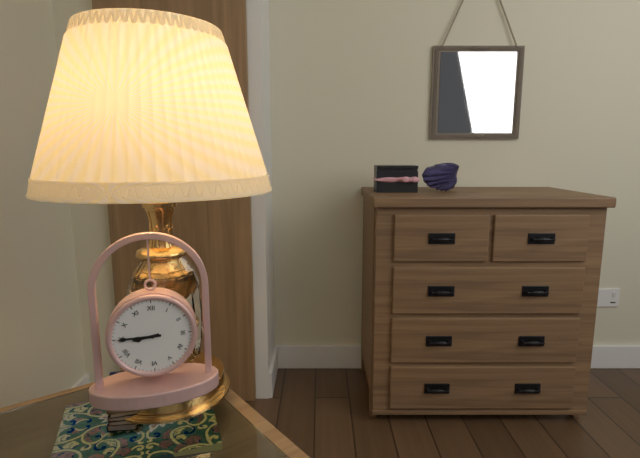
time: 8:45
